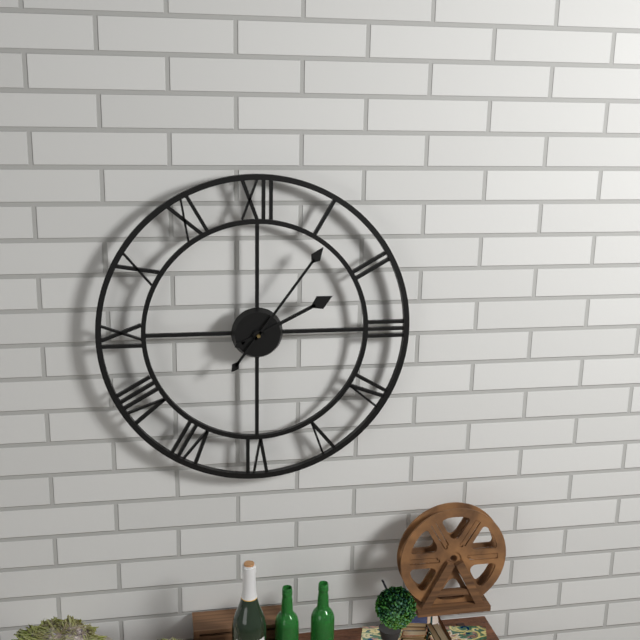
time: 2:06
